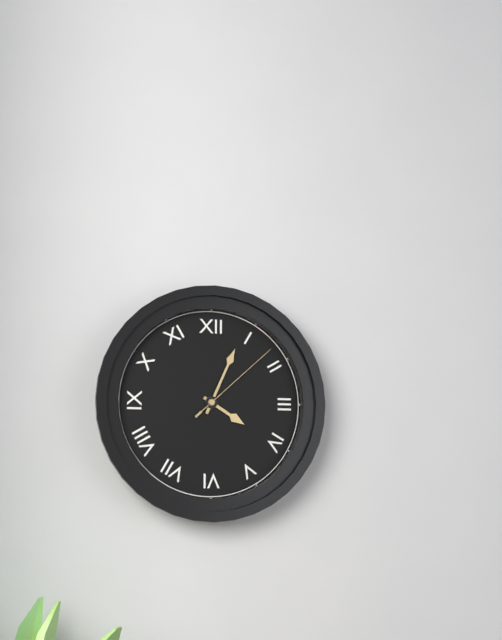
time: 4:04:08
